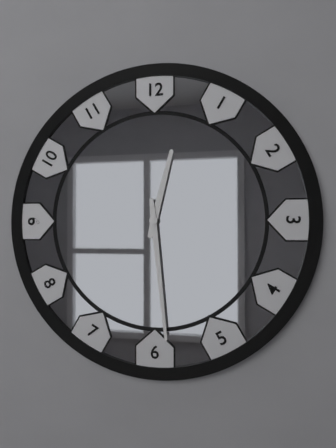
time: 12:29
